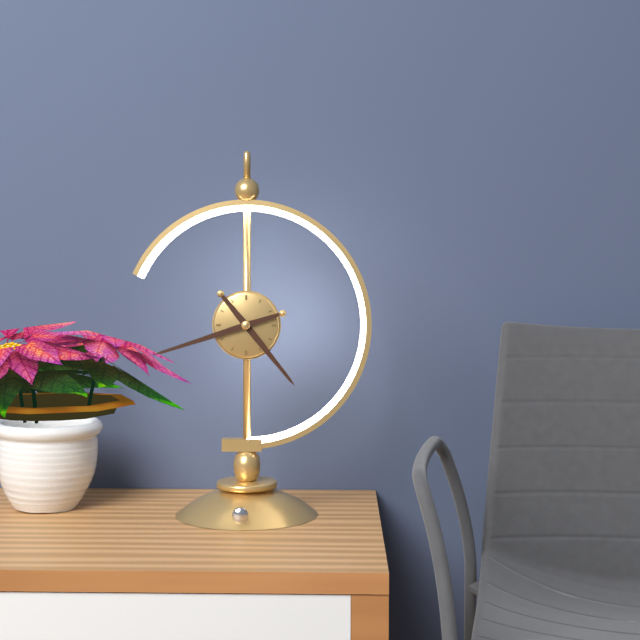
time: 4:42
